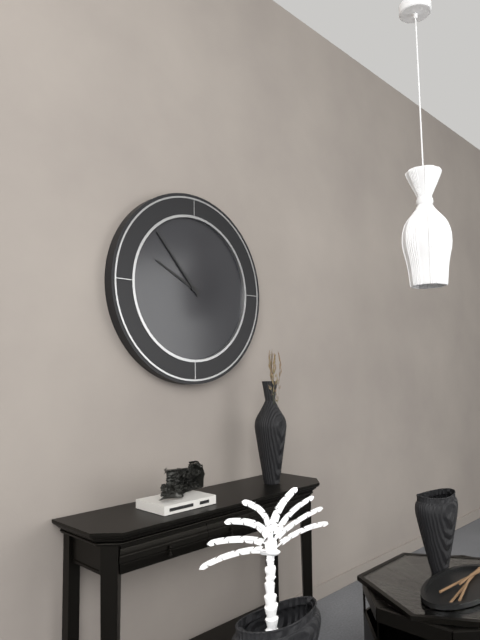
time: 9:53
